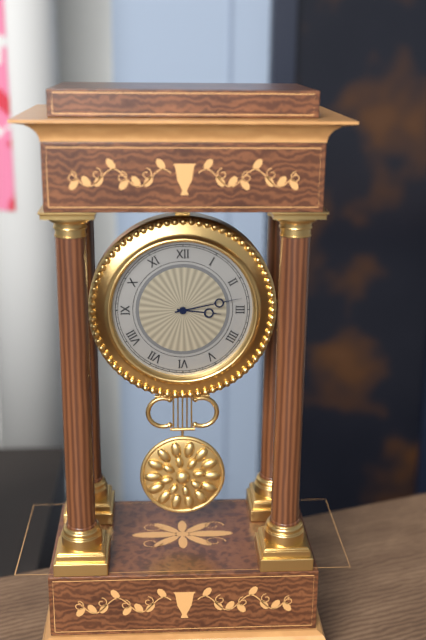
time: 3:13
